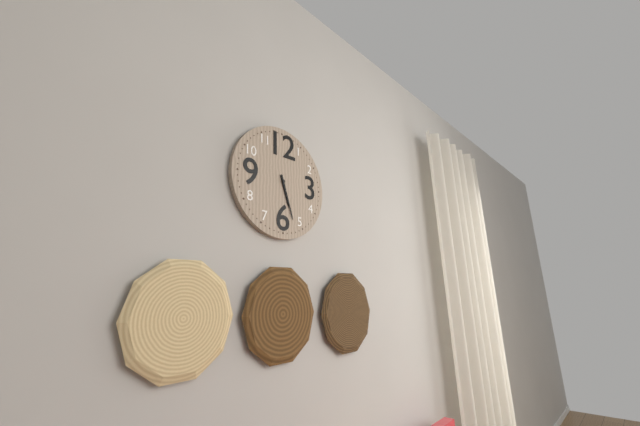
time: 5:27
